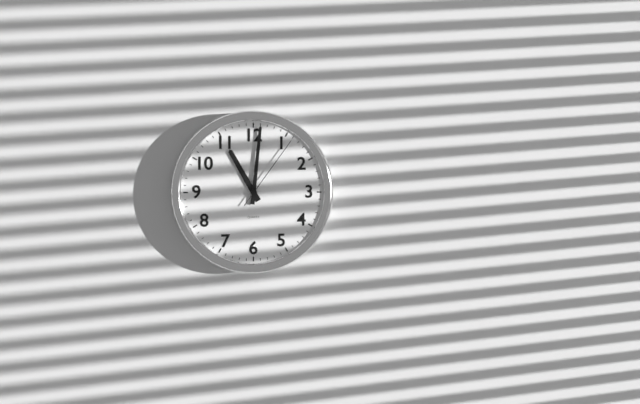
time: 11:01:06
